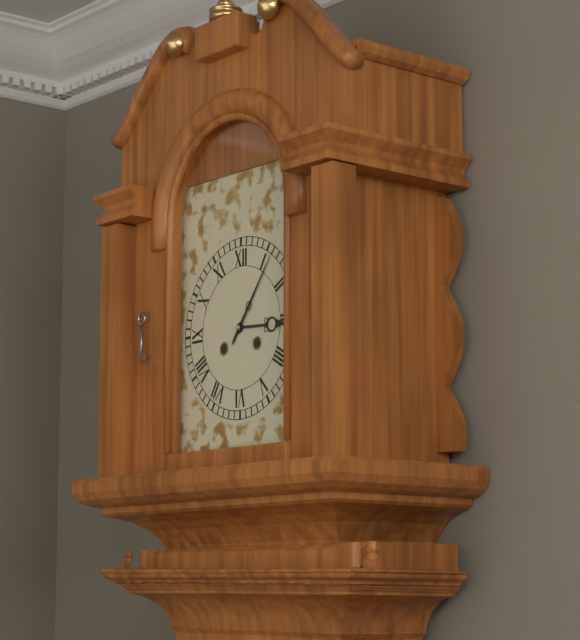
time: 3:06
